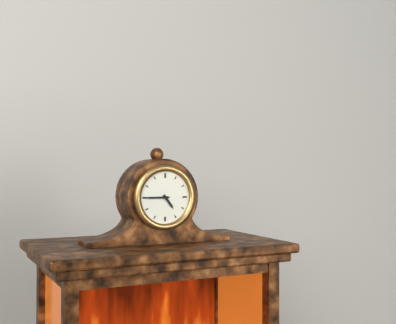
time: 4:45
